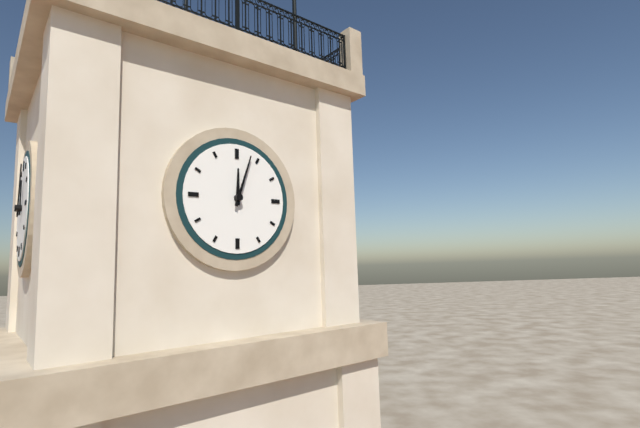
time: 12:03
